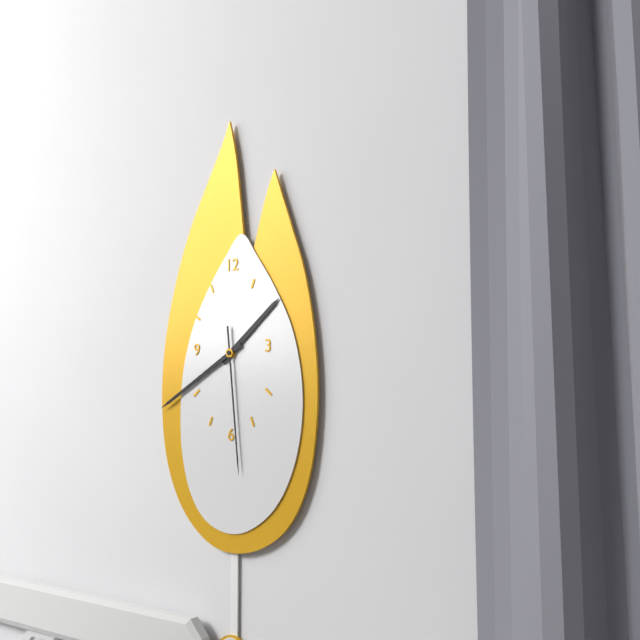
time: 1:40:29
